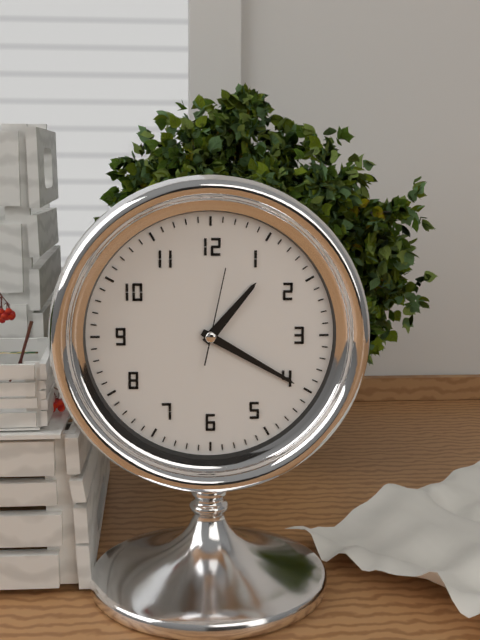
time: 1:20:02
